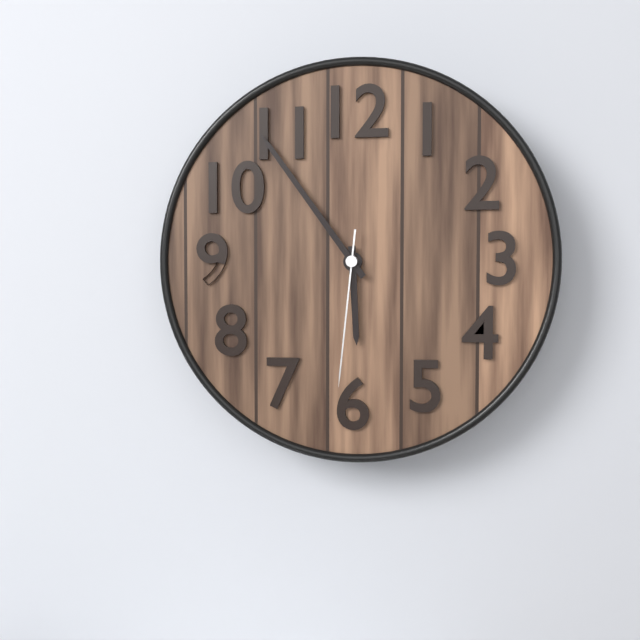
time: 5:54:31
